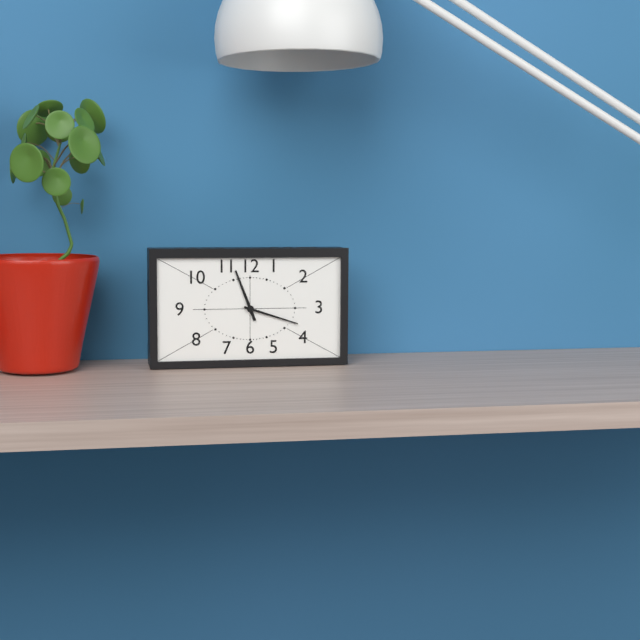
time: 11:18
